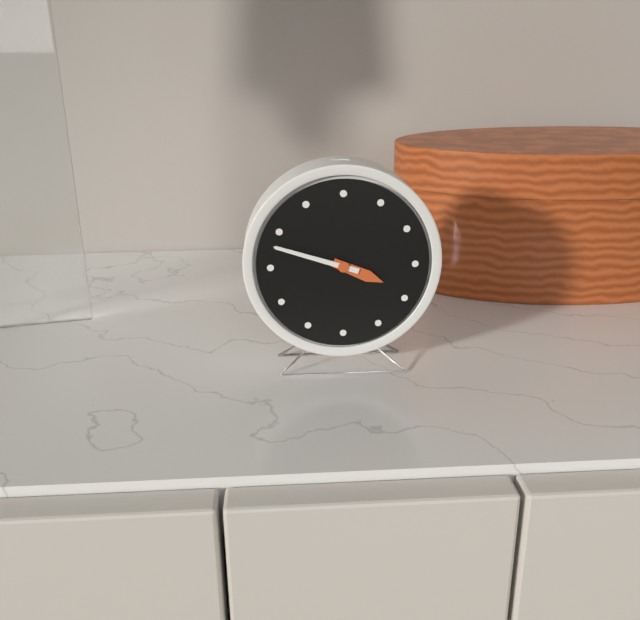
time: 3:48
